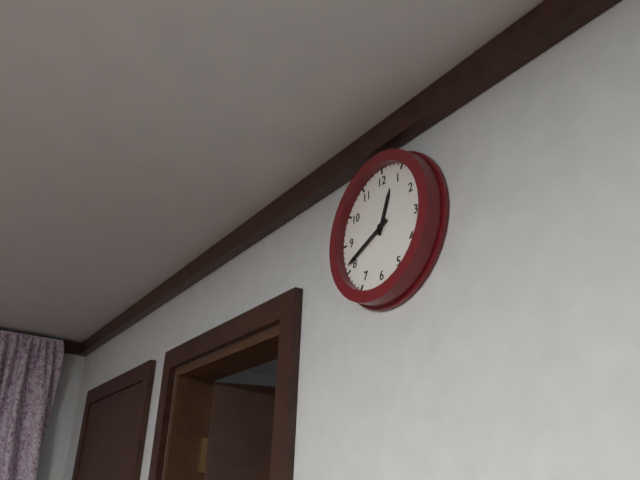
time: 12:41
